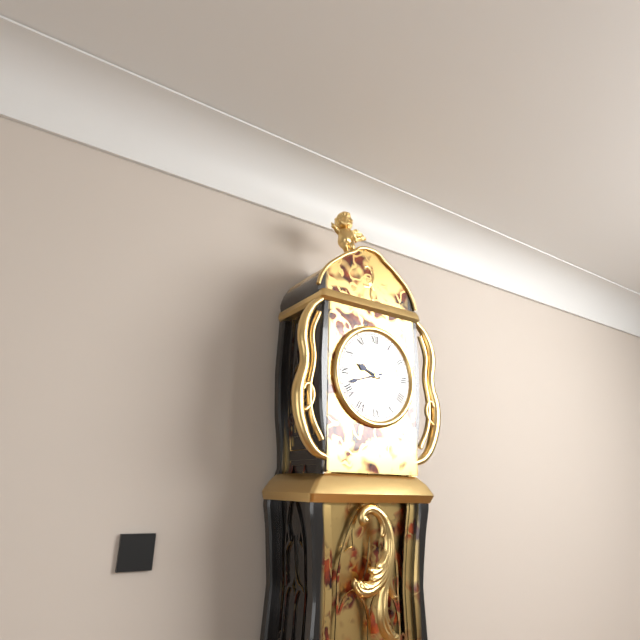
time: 9:42
